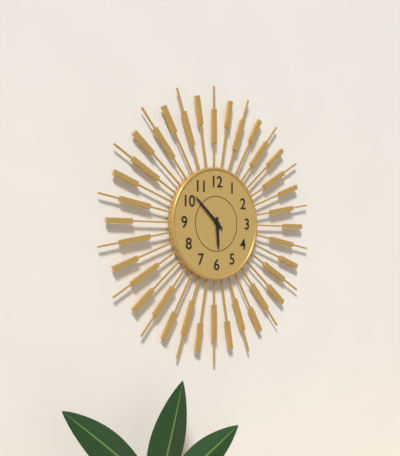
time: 5:52
